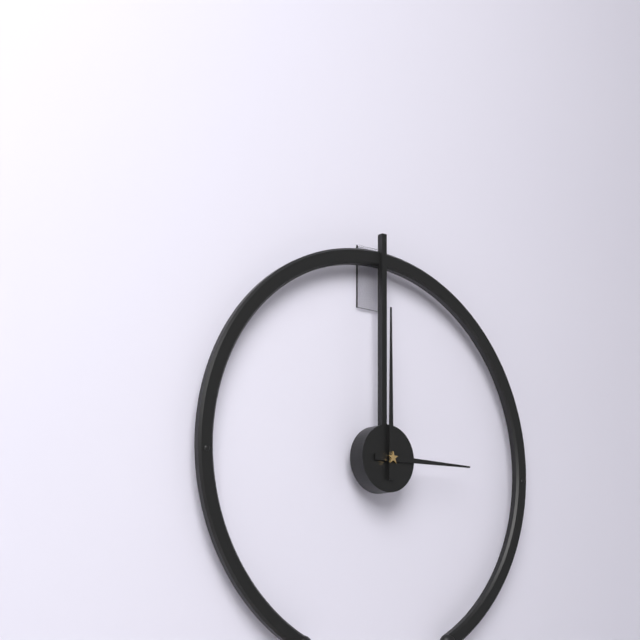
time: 3:00
